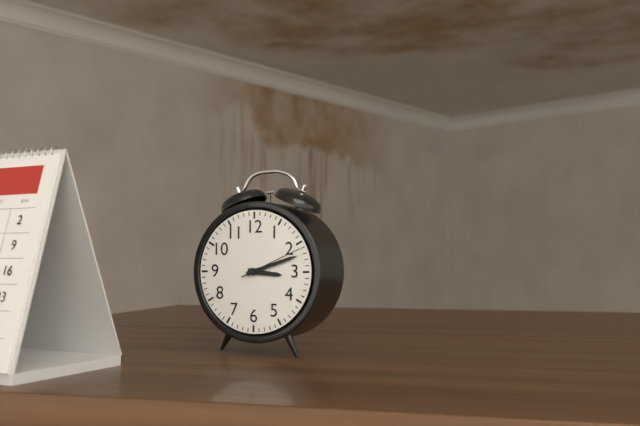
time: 3:12:11
